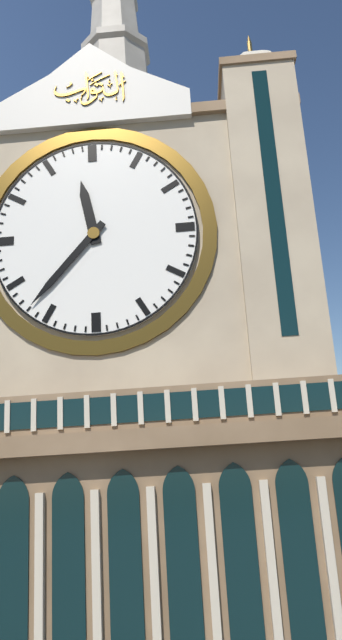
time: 11:37
